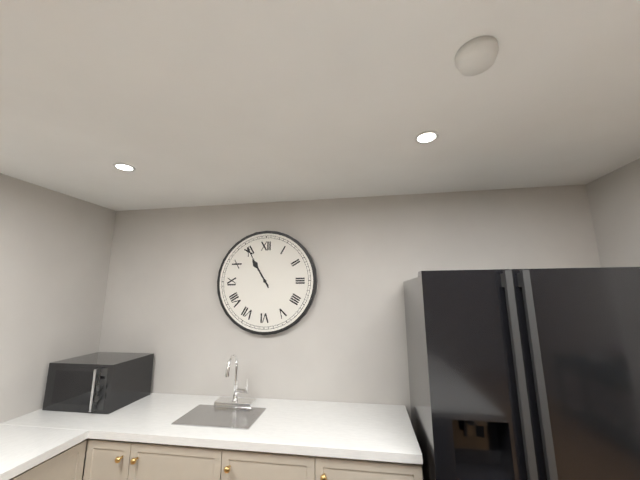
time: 10:55
